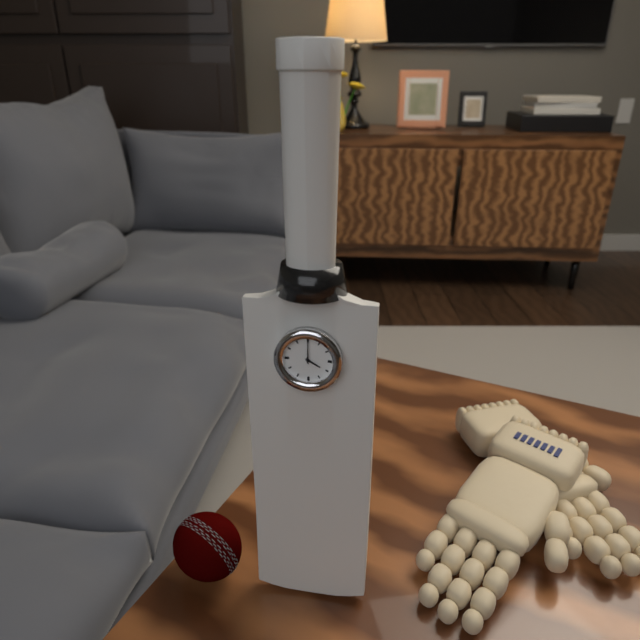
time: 4:00
